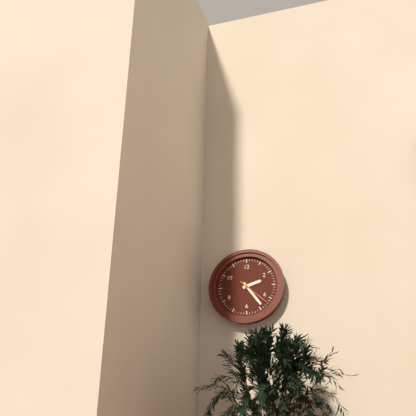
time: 2:24
